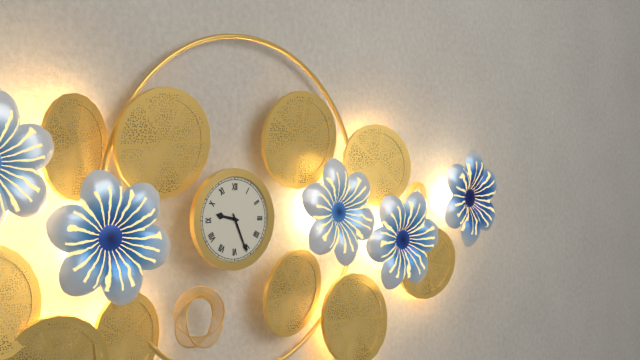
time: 9:26
